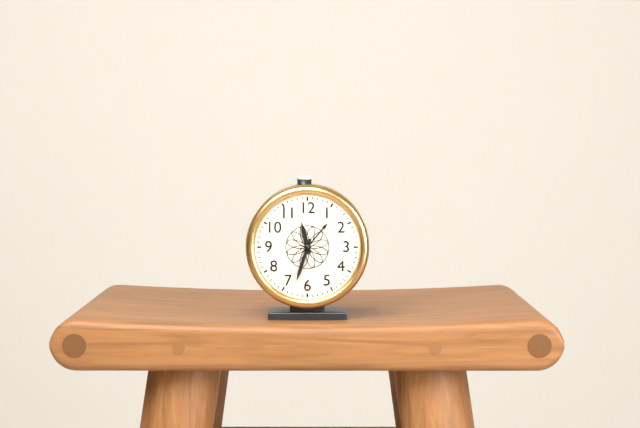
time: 11:33
